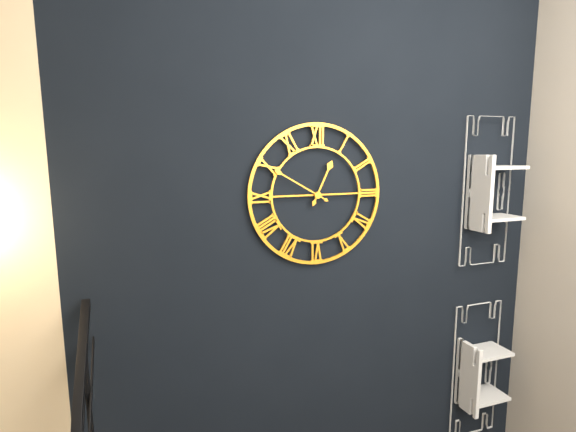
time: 12:50
